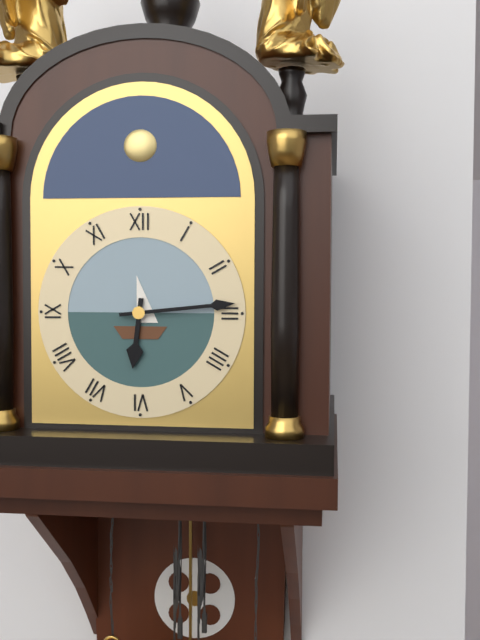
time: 6:14
